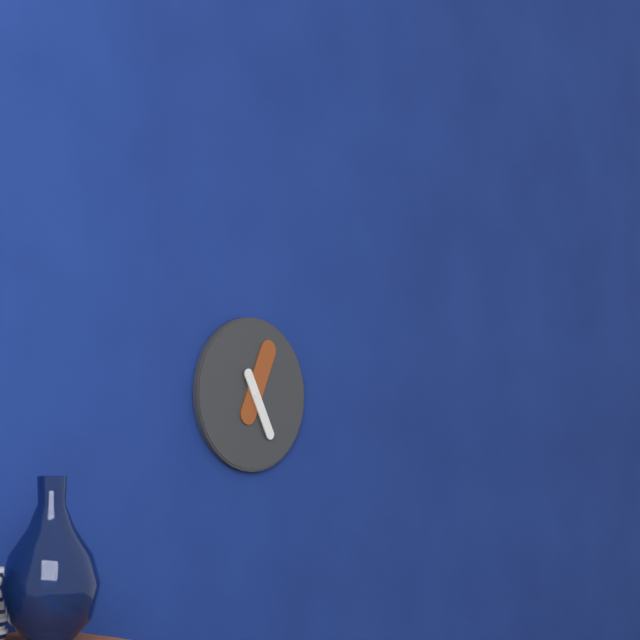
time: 5:04
